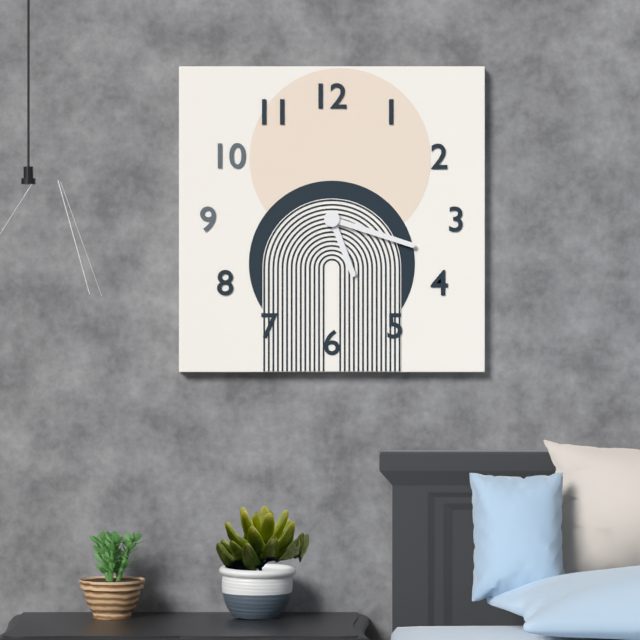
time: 5:18
